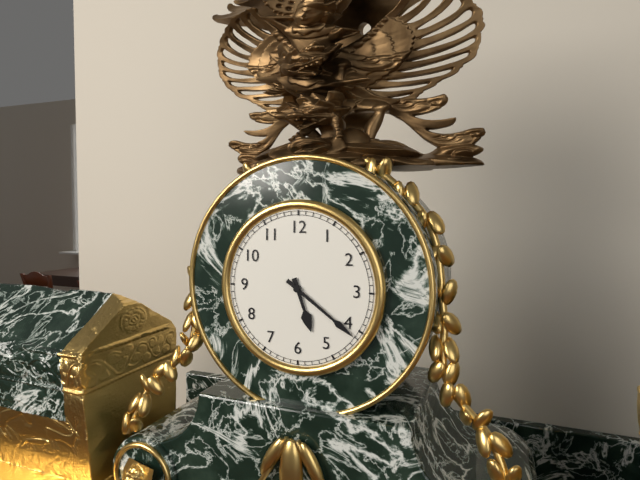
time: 5:21
